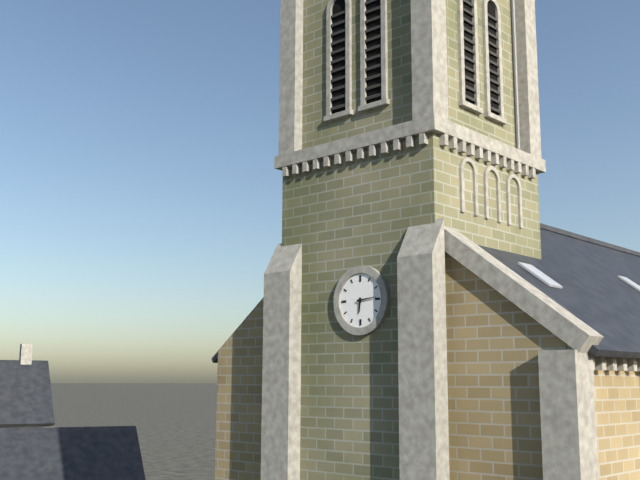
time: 6:14
